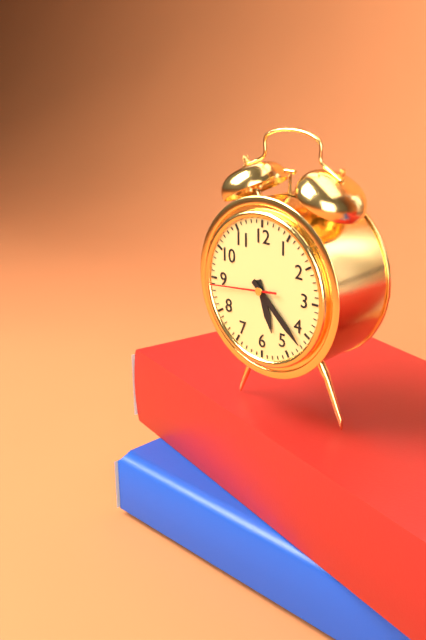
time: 5:22:44
